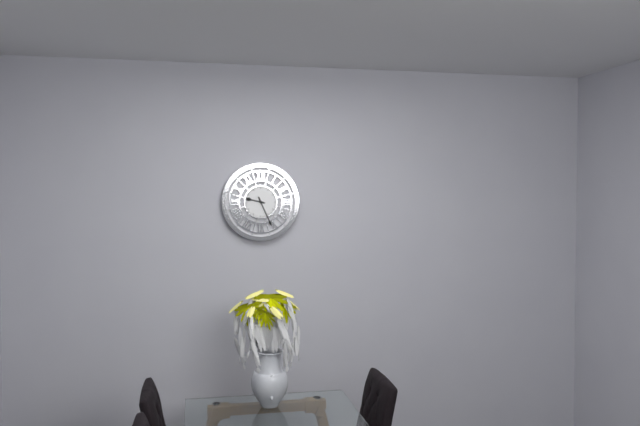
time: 9:26
